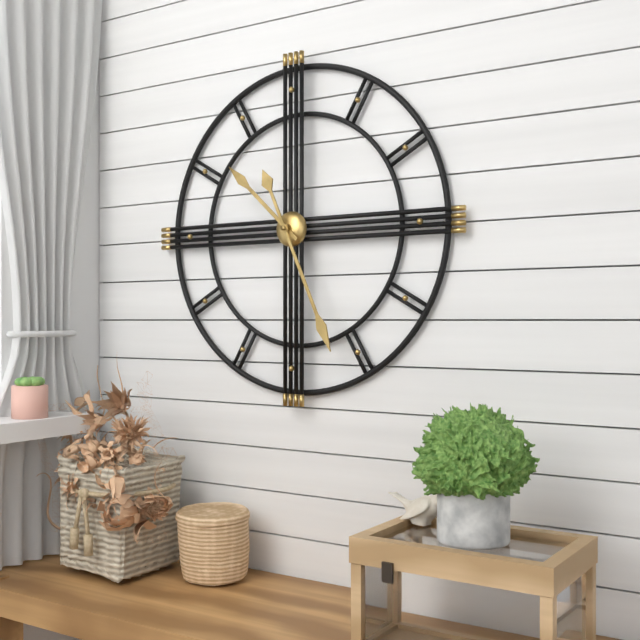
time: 10:26
